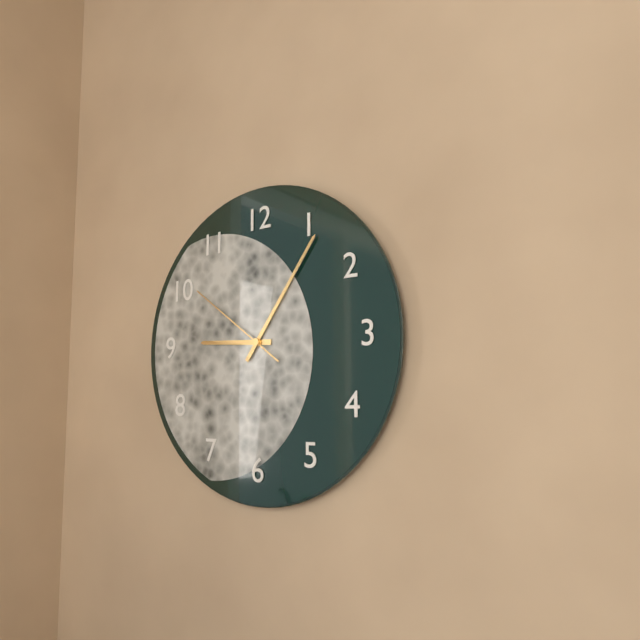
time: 9:06:51
